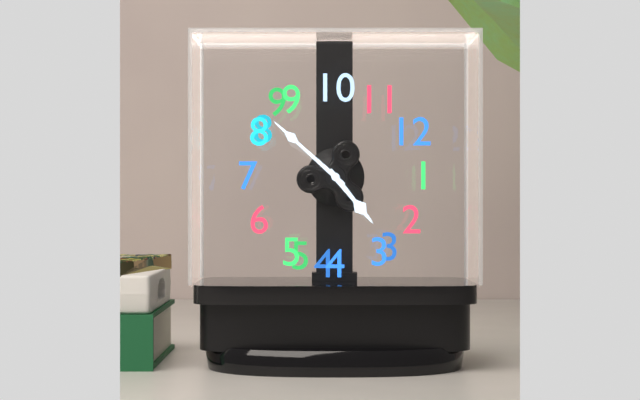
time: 2:42
